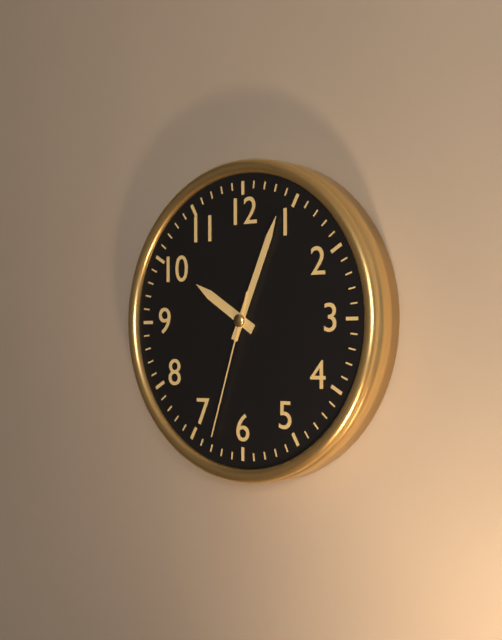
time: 10:04:33
